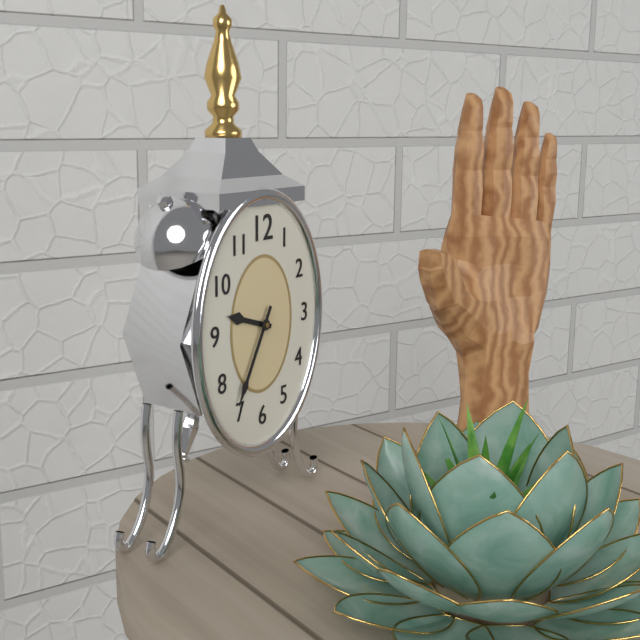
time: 9:35
